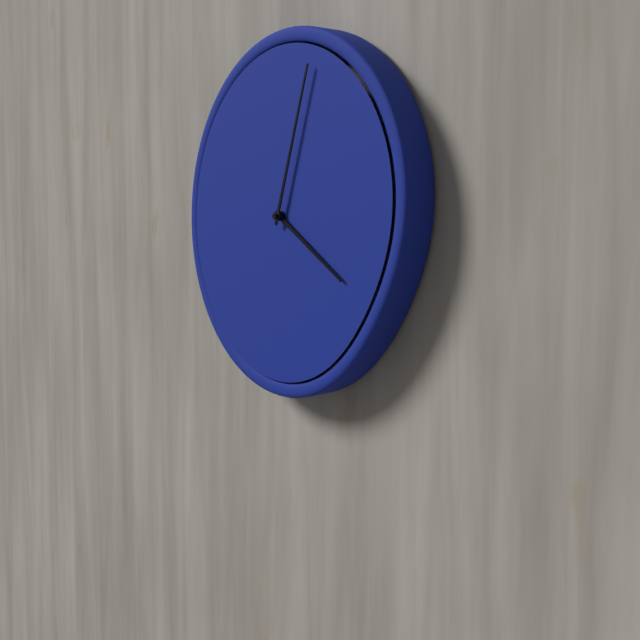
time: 4:03
